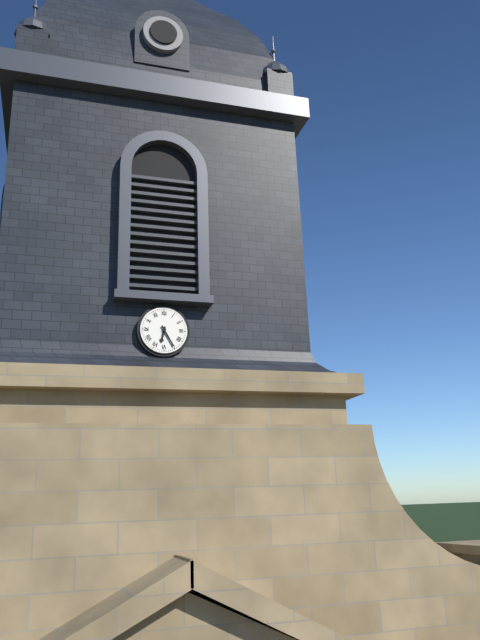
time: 6:25
